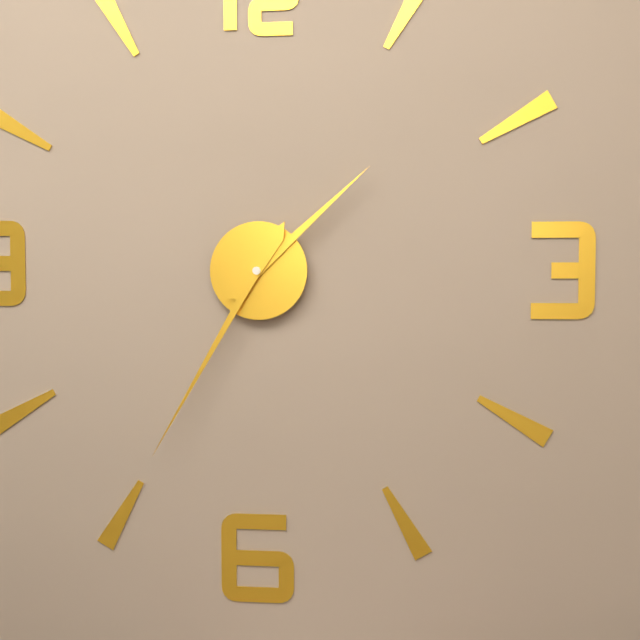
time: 1:35
